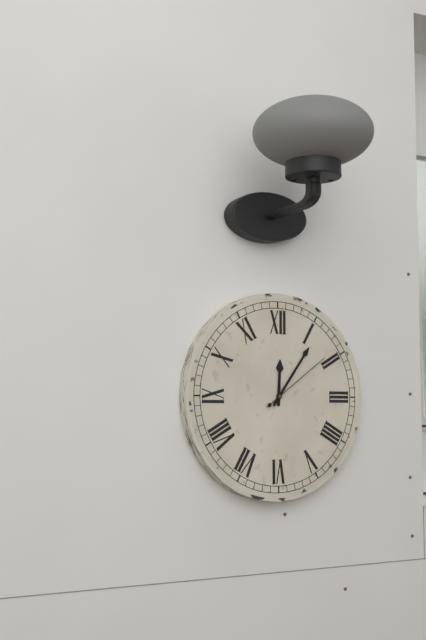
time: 12:06:09
